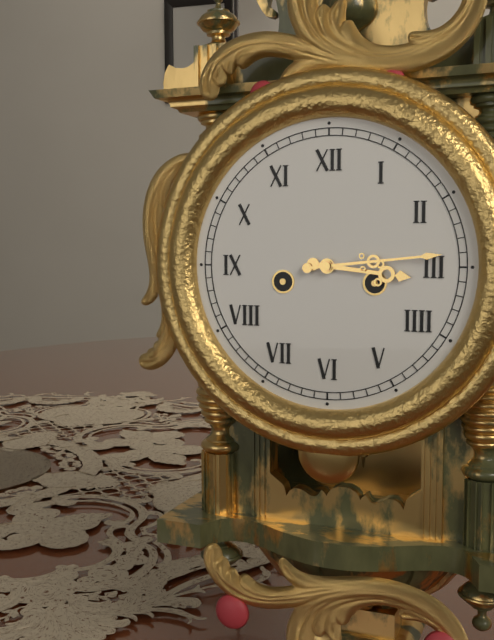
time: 3:14
